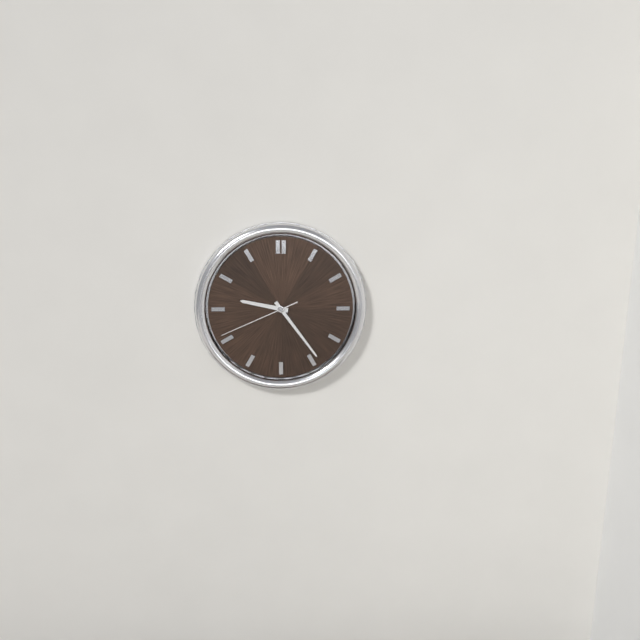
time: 9:24:41
